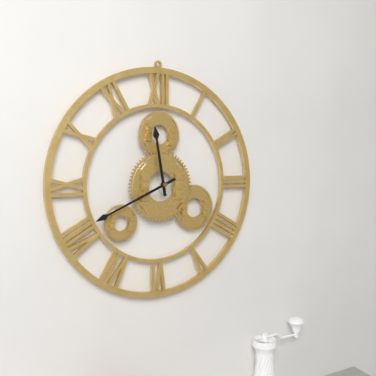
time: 11:41
